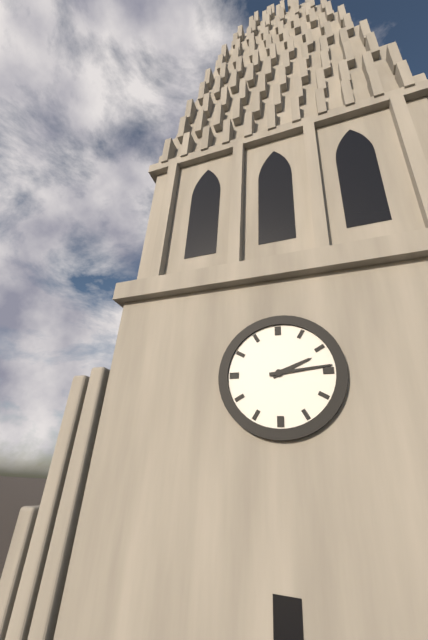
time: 2:14
